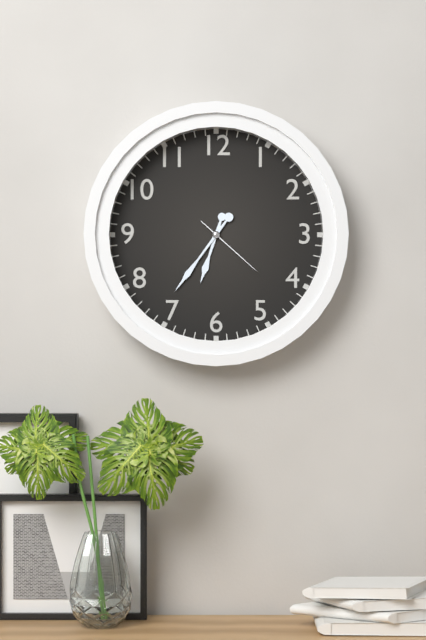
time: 6:36:22
